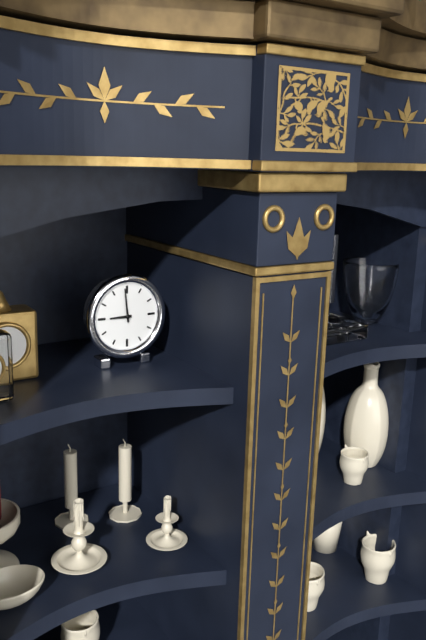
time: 8:59
